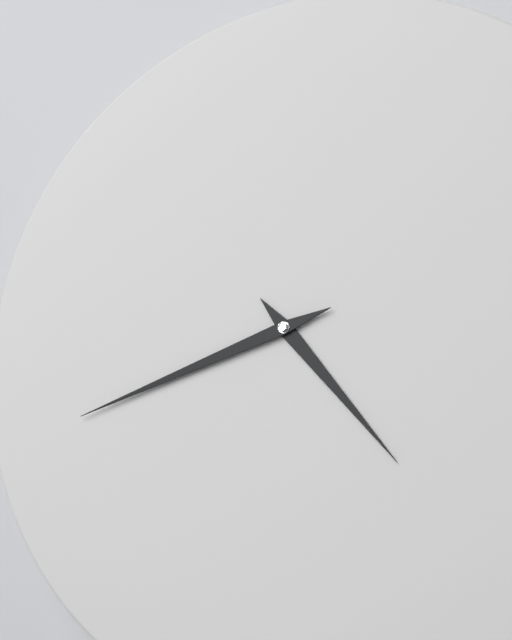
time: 4:42
